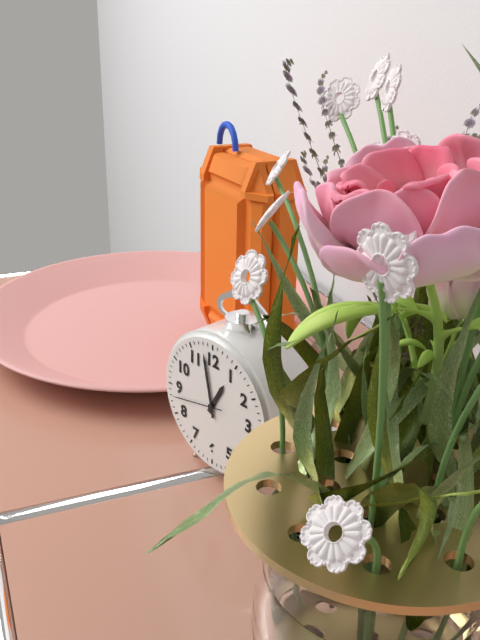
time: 12:58:43
